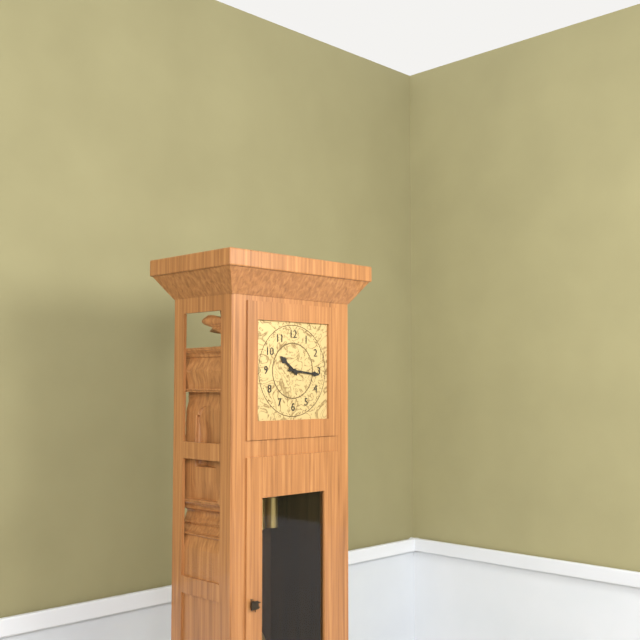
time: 10:16
